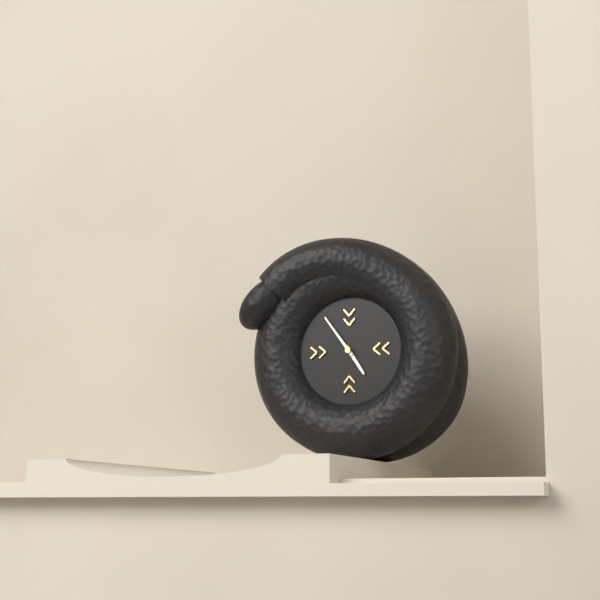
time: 4:54
